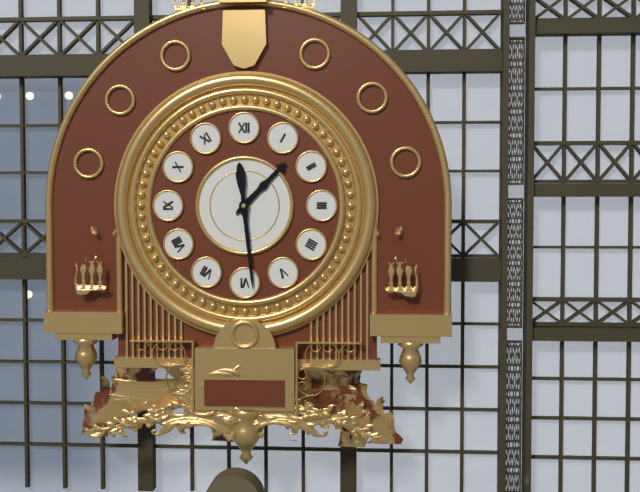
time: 1:29
